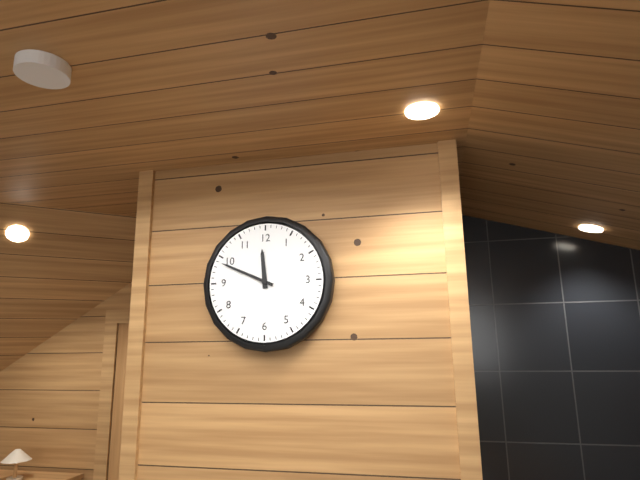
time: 11:49
